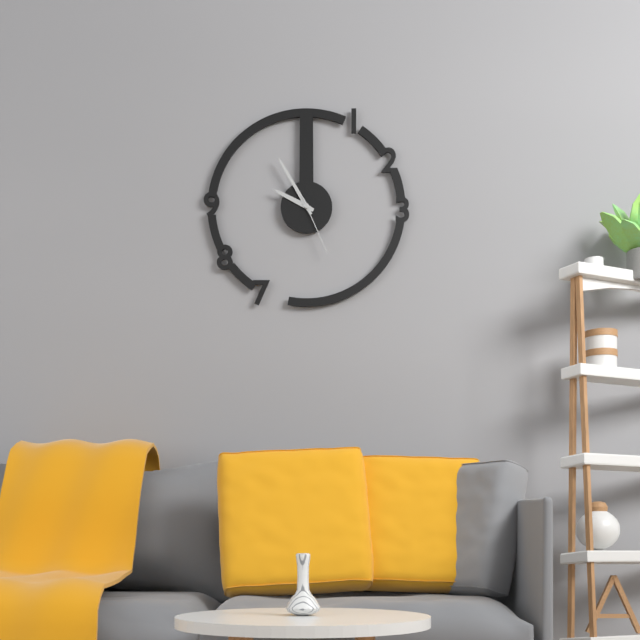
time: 9:55:26
